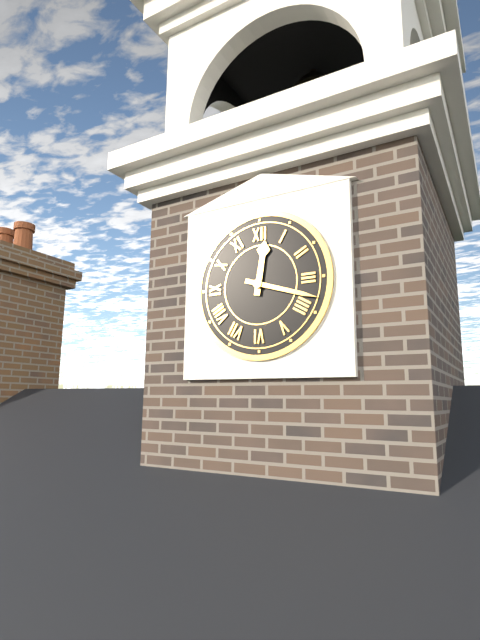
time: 12:18
